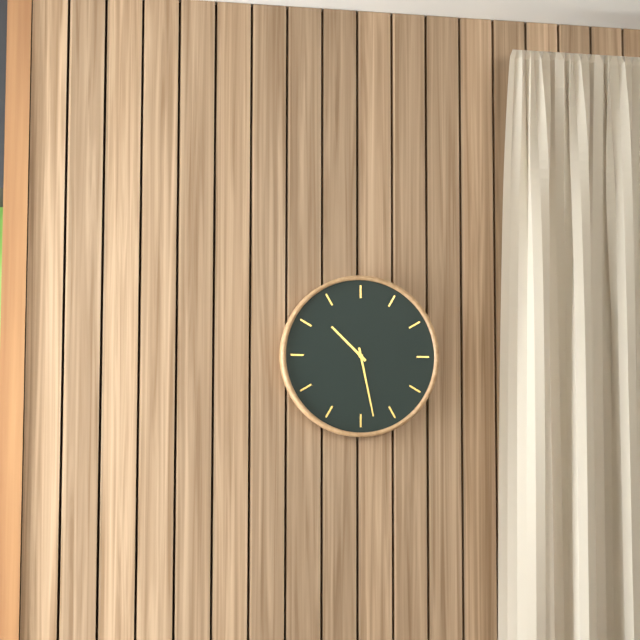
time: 10:28
